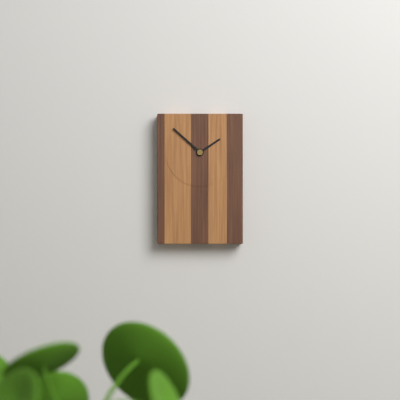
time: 1:52
